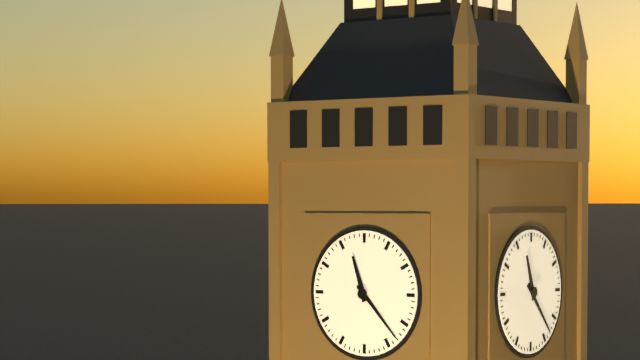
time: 11:23
